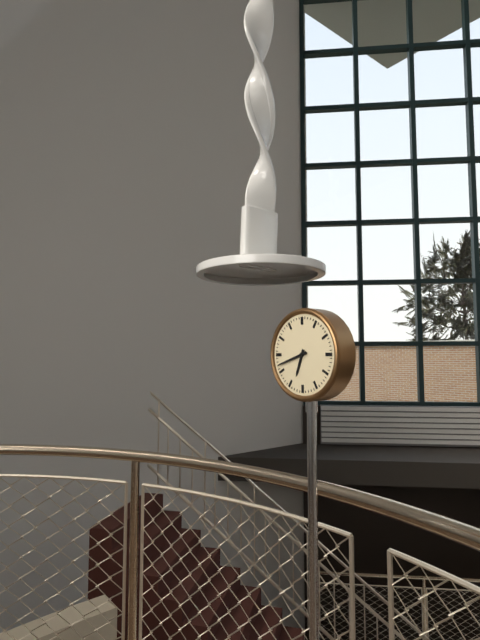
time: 6:42
